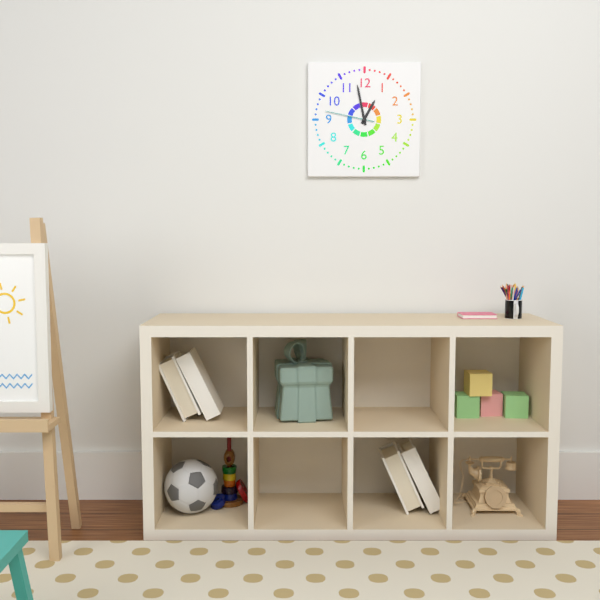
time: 12:58
